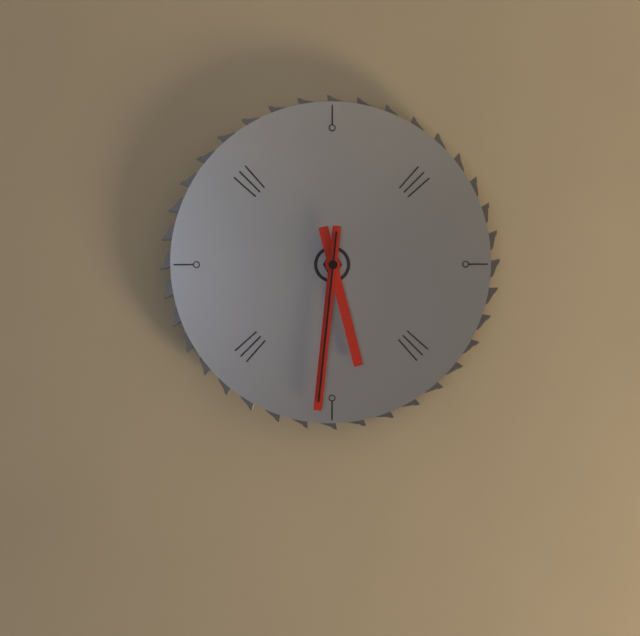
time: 5:31:31
